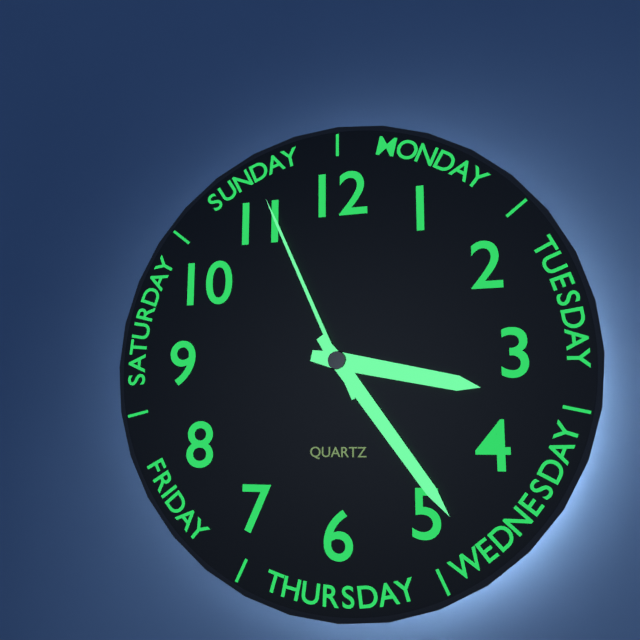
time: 3:24:56
